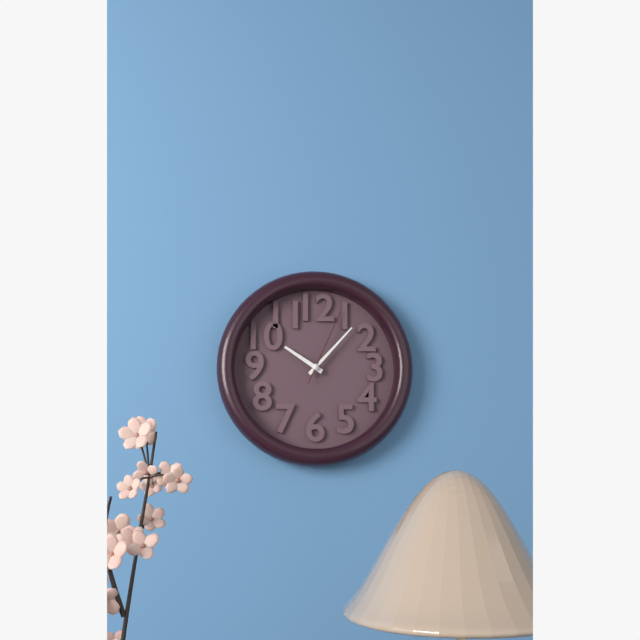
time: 10:07:04
